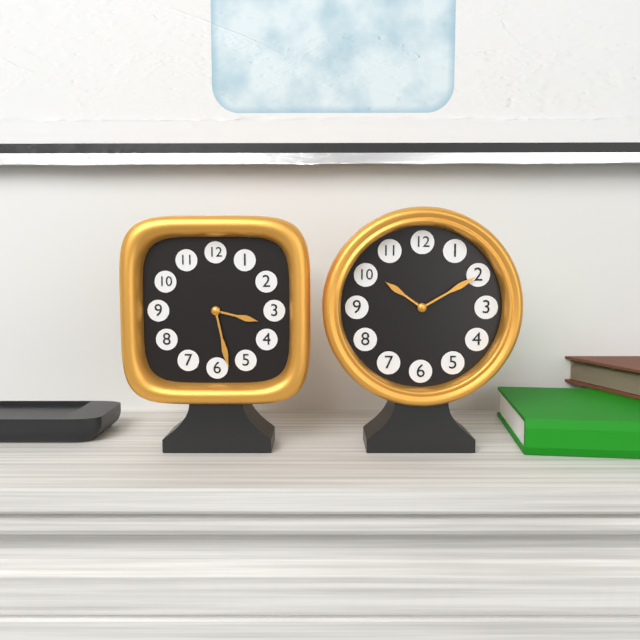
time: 3:28
